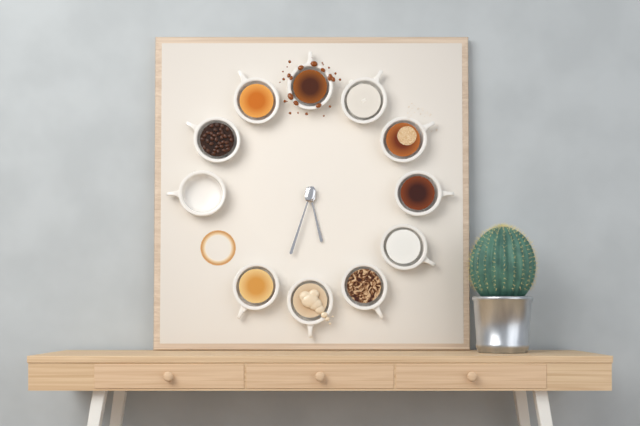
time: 5:33
